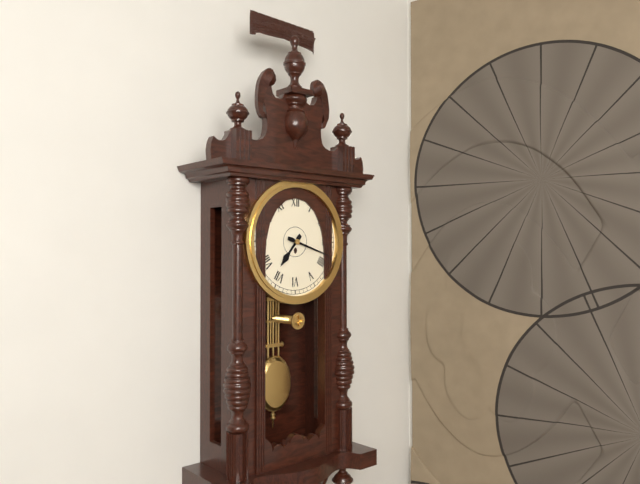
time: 7:18
